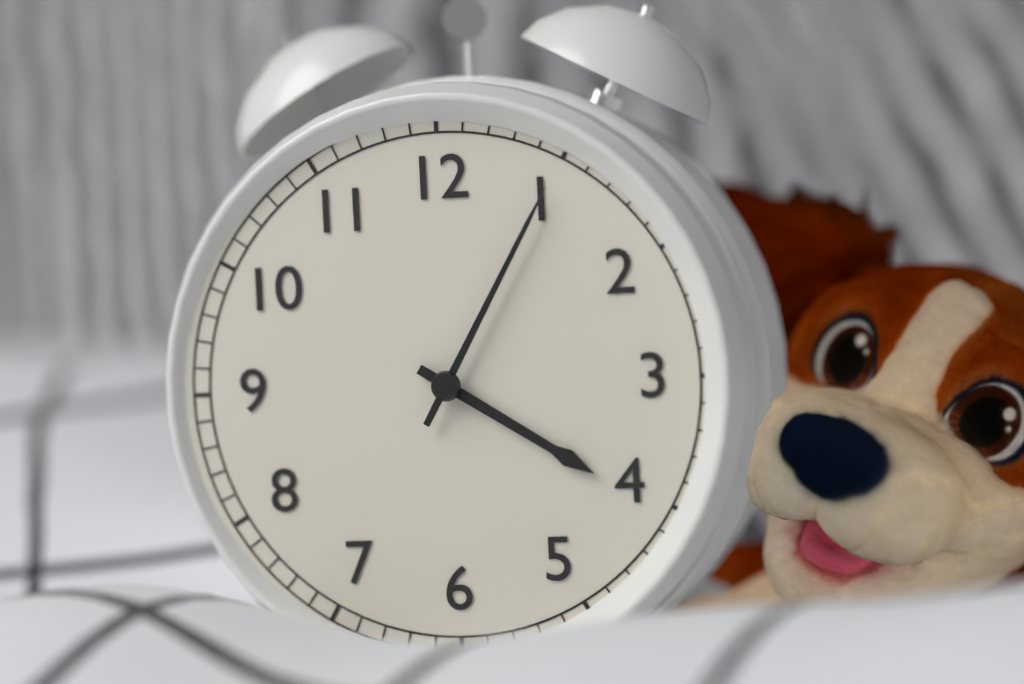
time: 4:05
